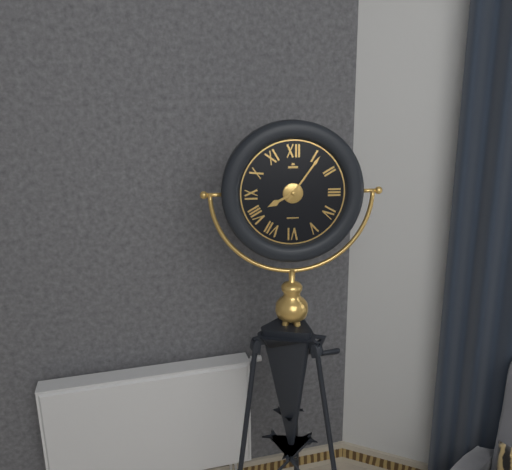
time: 8:06
